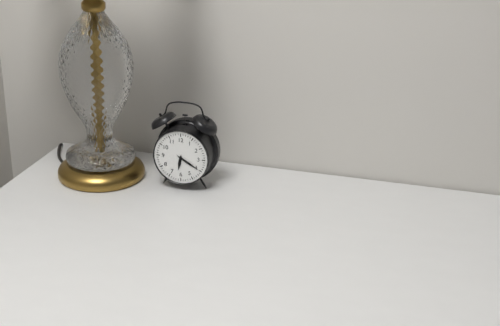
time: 6:20
